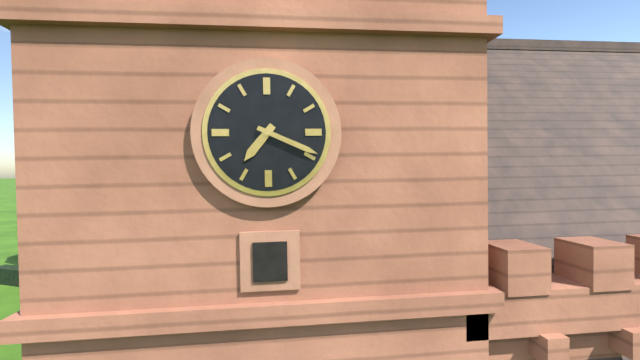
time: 7:19
